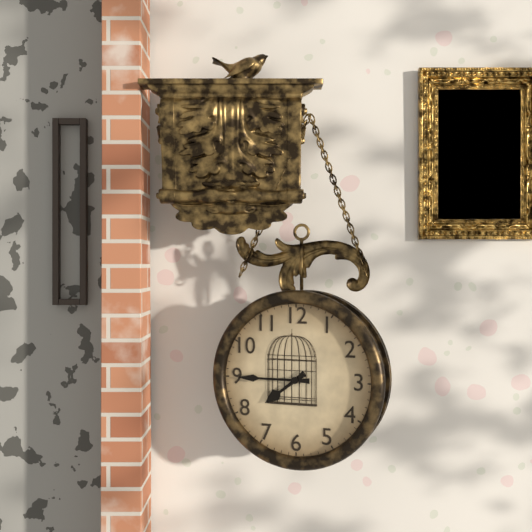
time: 7:45
